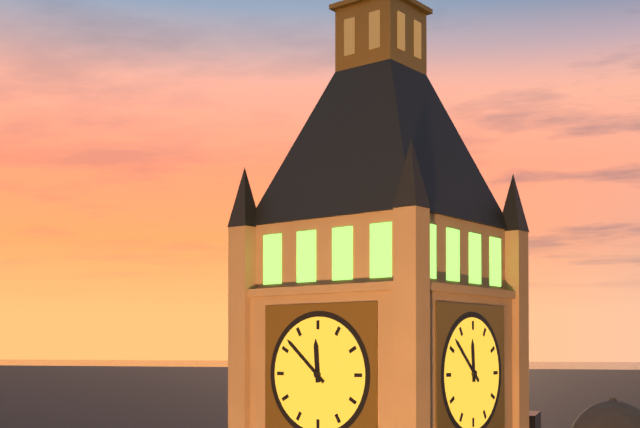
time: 11:52
